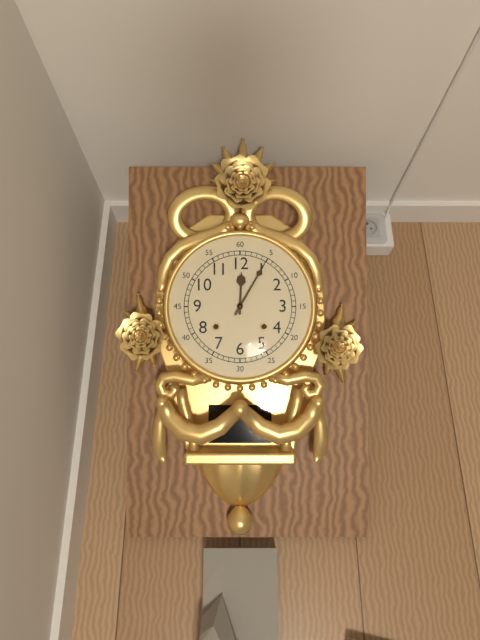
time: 12:05
